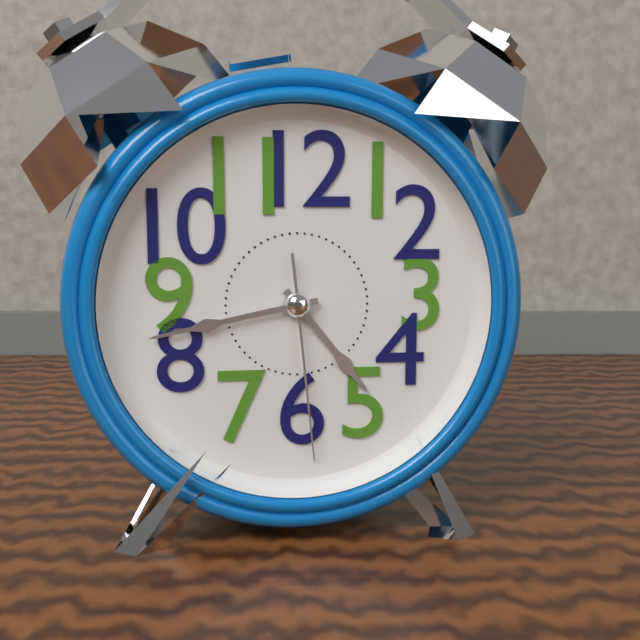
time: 4:43:29
